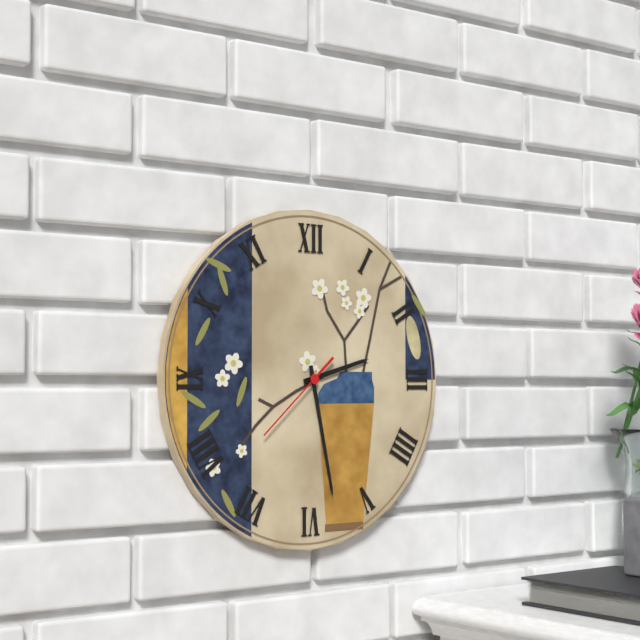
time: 2:28:38
